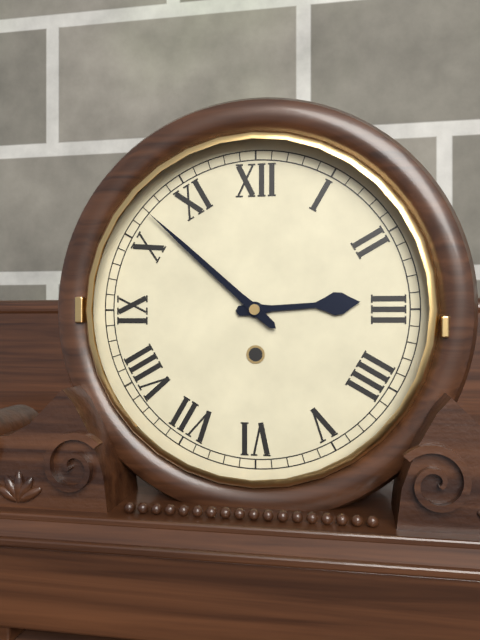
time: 2:52
